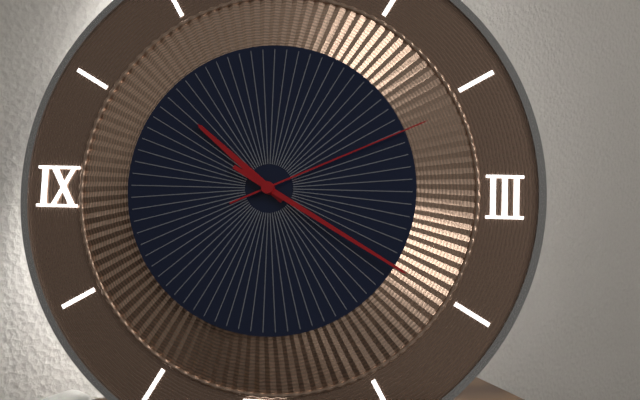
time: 10:20:11
